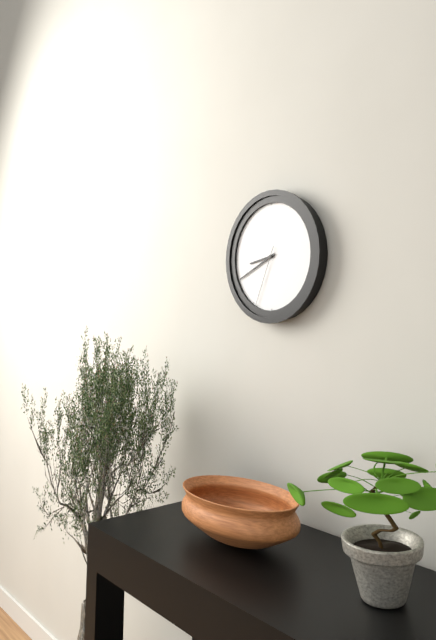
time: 8:41:34
